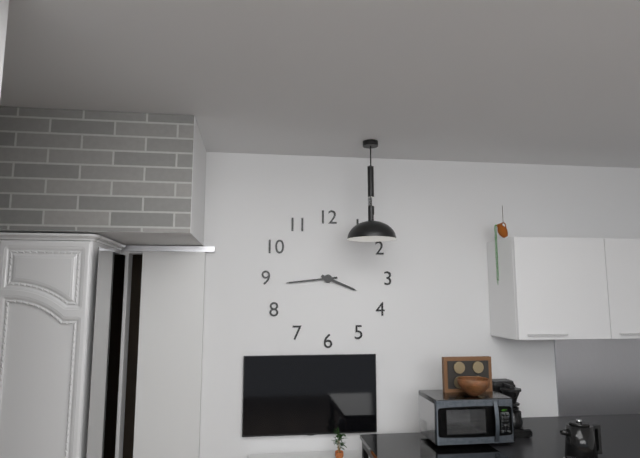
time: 3:44
